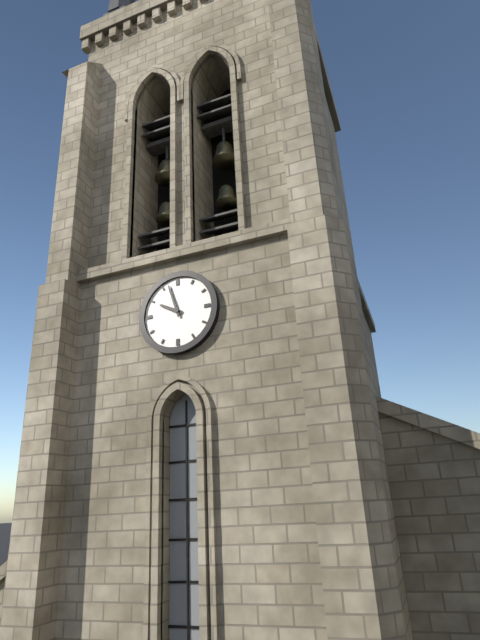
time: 9:57
